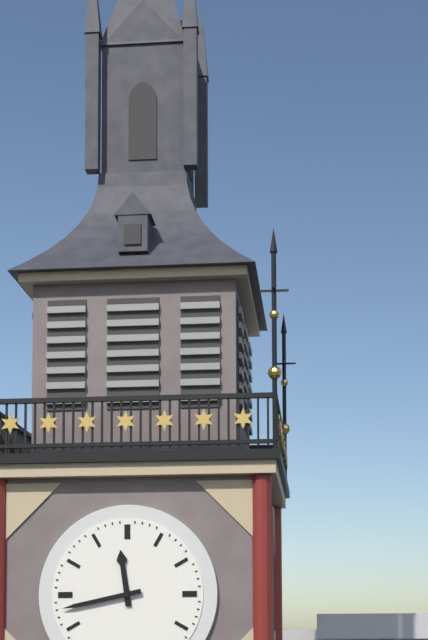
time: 11:43
